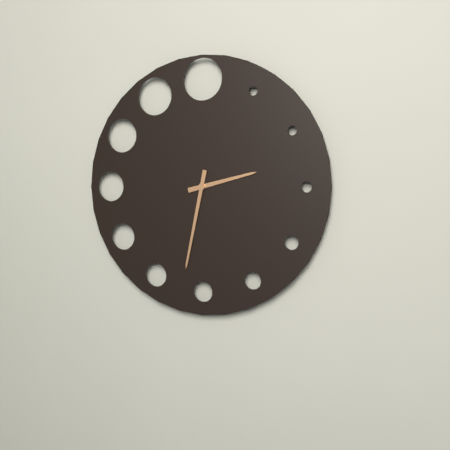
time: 2:32
